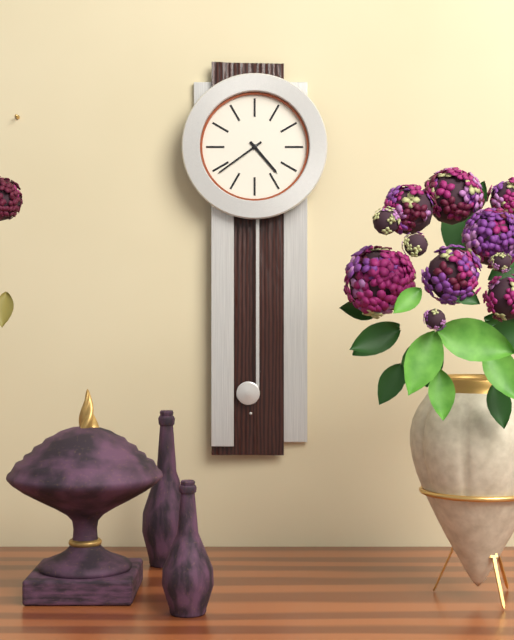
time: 4:39
